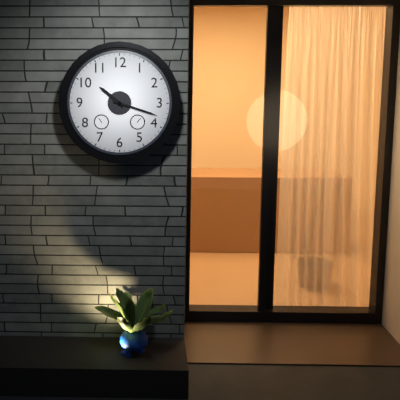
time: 10:18
